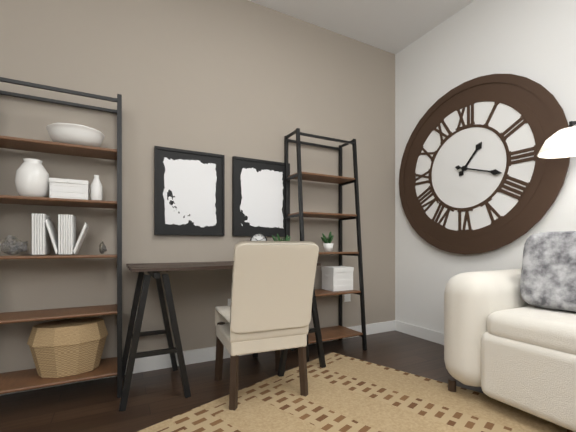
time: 1:18
